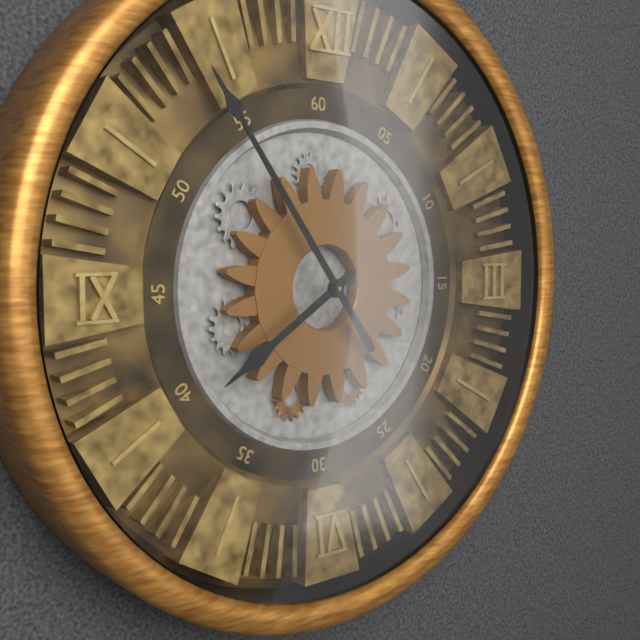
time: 7:54
